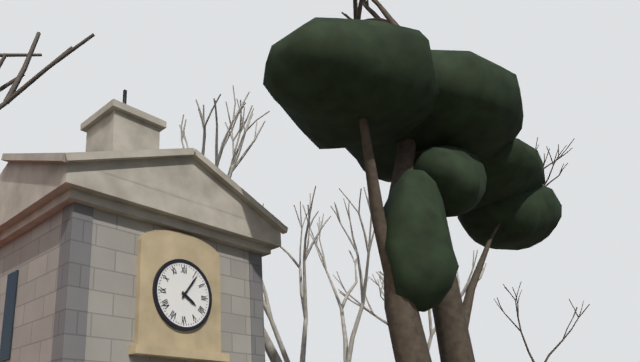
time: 4:06
